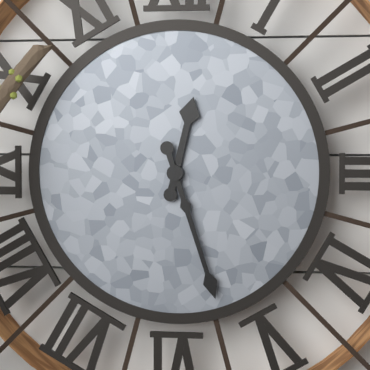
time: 12:27
